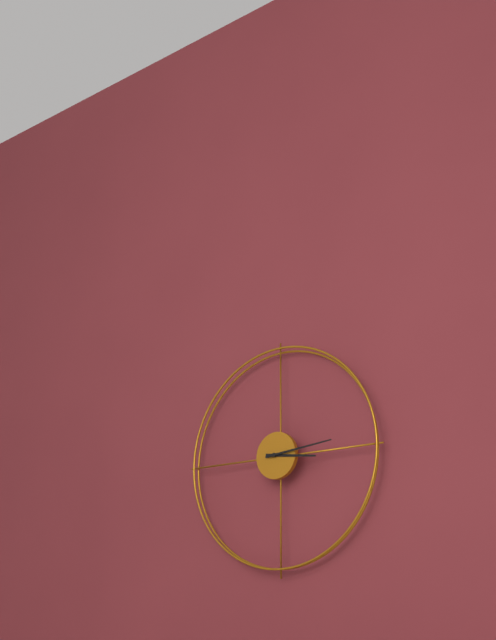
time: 3:14
